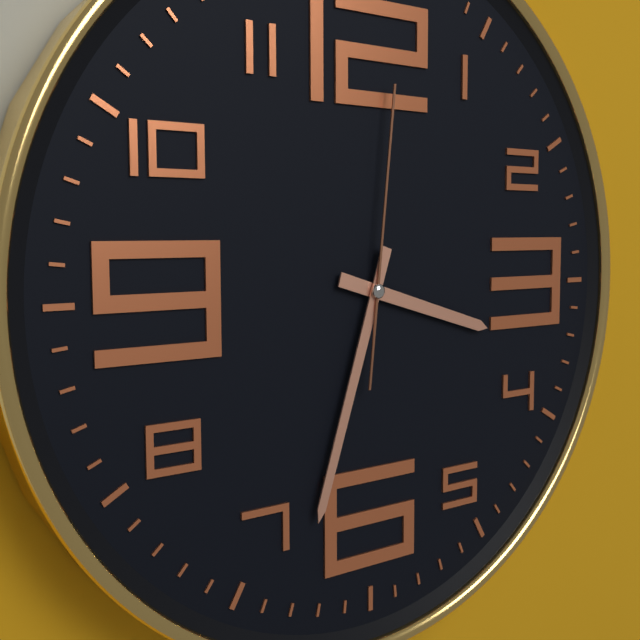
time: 3:33:01
